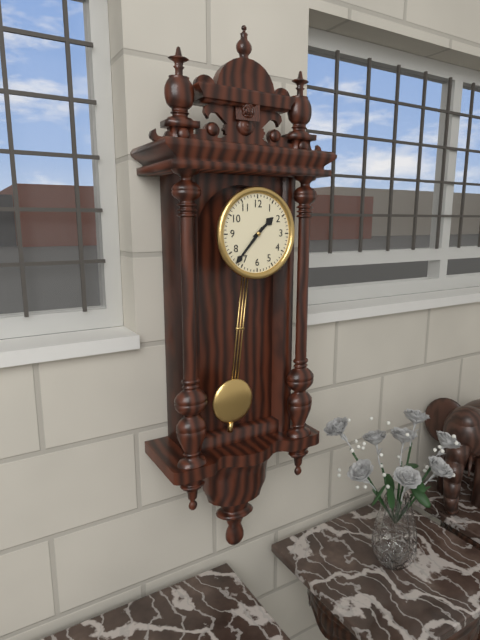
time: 1:37
